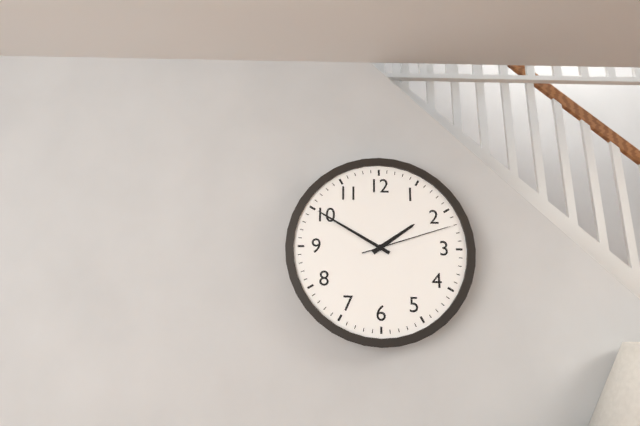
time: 1:50:12
